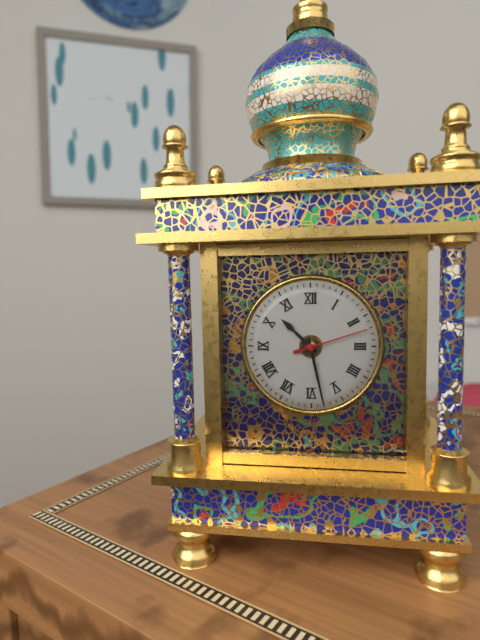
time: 10:28:12
